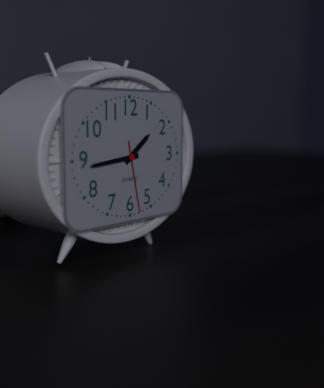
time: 1:44:28
